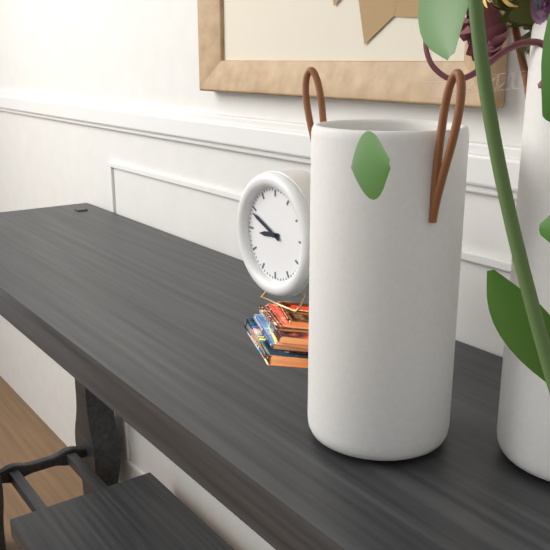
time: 8:49
